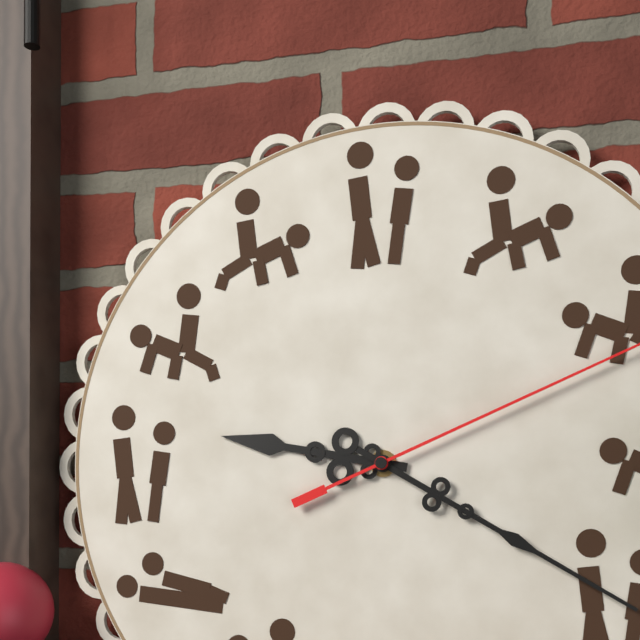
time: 9:20
